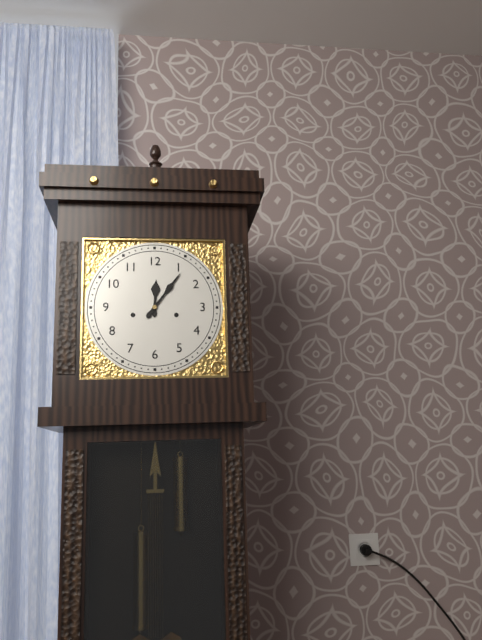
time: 12:06
